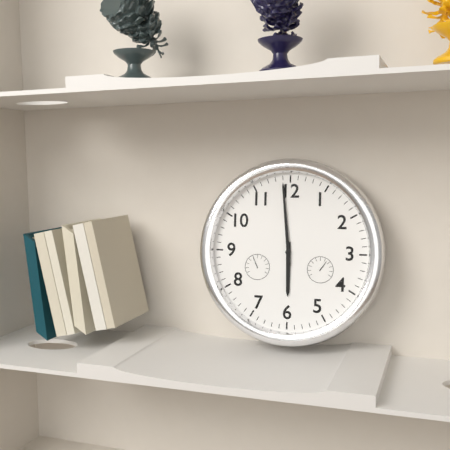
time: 5:59
